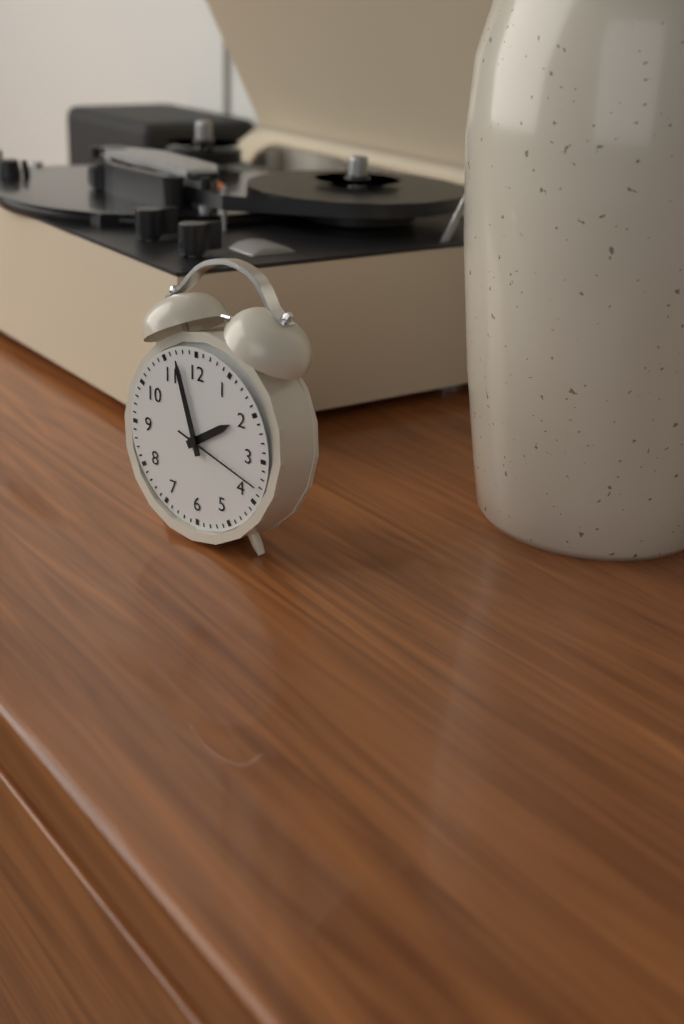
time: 1:57:18
